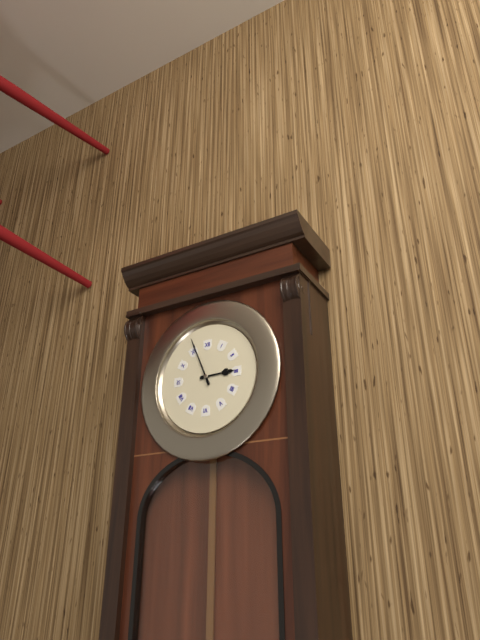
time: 2:56
